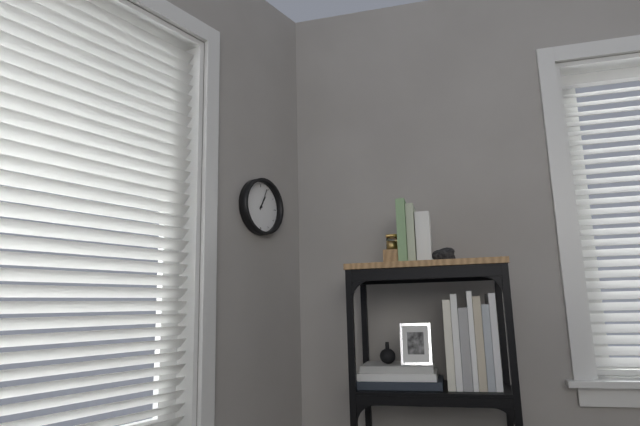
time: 1:04
